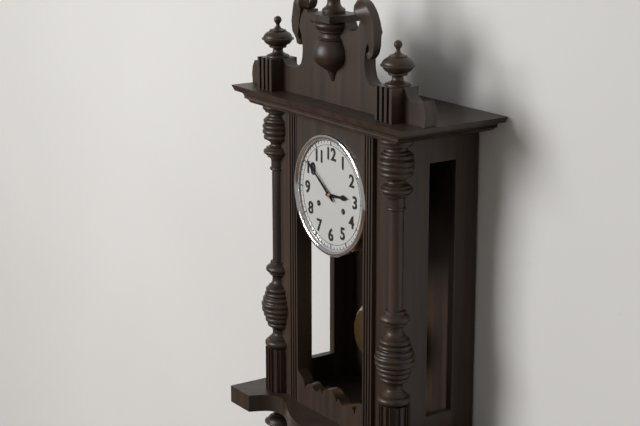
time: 2:51
